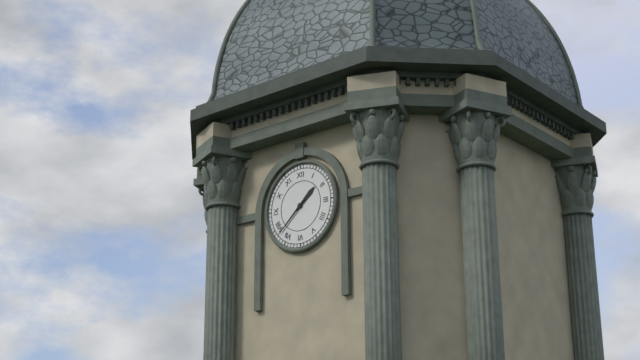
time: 1:38
